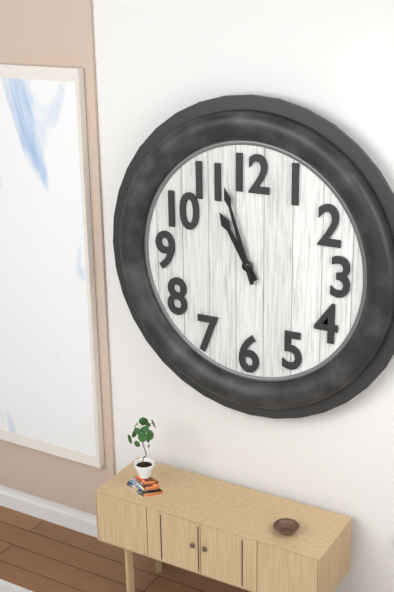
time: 10:57
